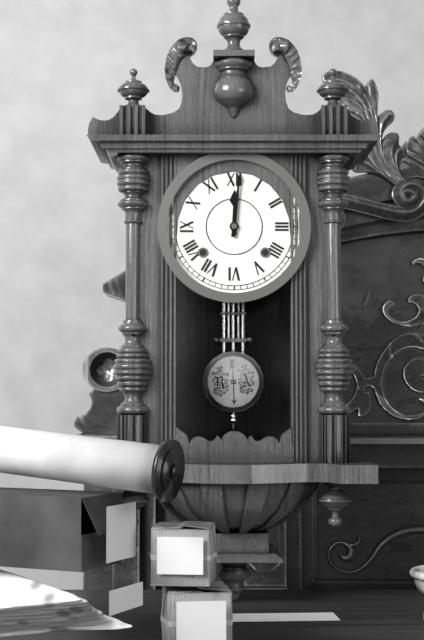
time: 12:01
